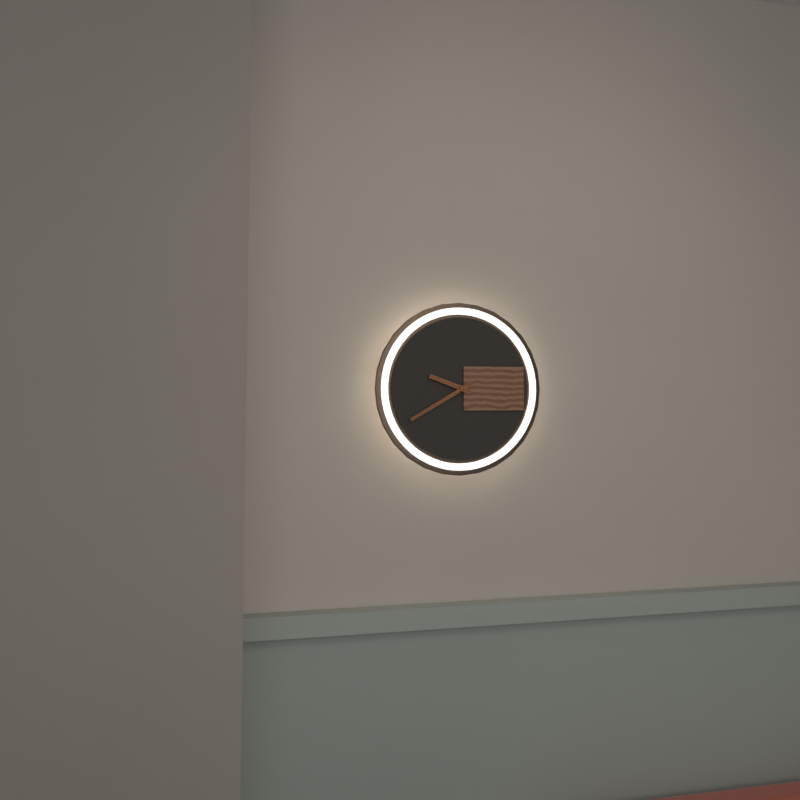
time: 9:40
